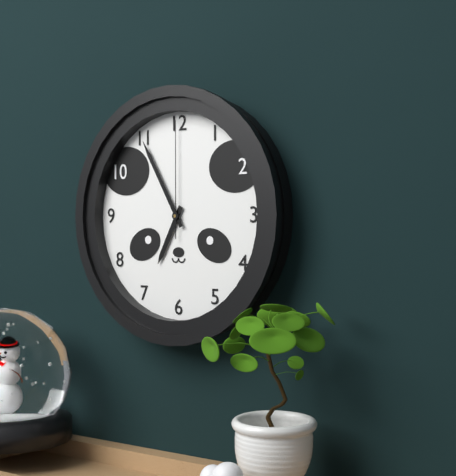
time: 6:55:00
